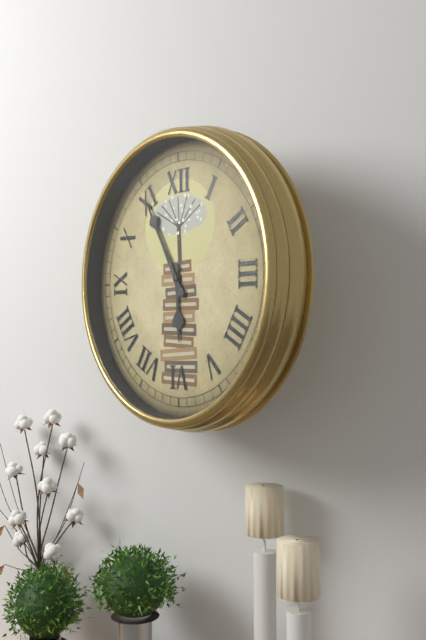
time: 5:55
